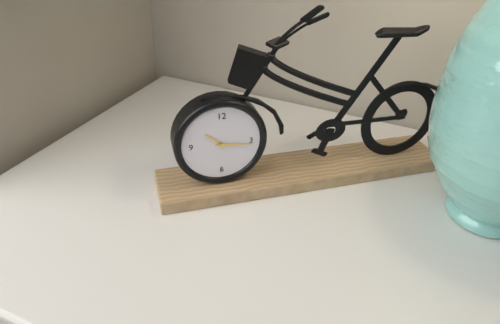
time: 10:16
